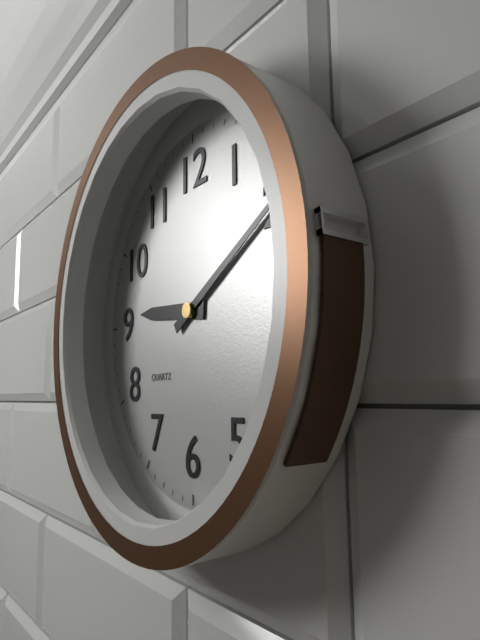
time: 9:10
